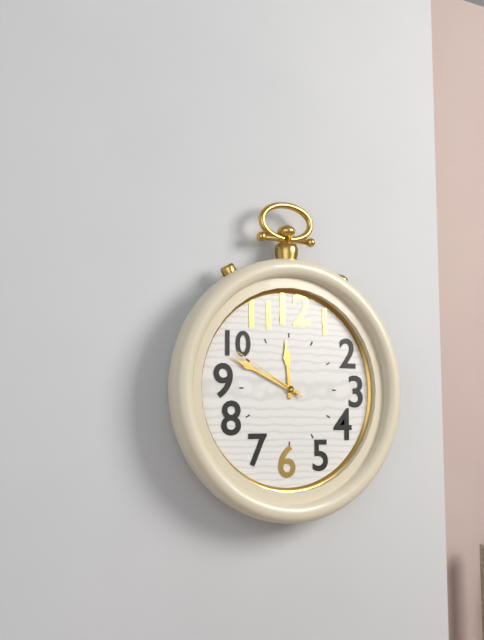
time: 11:49:50
